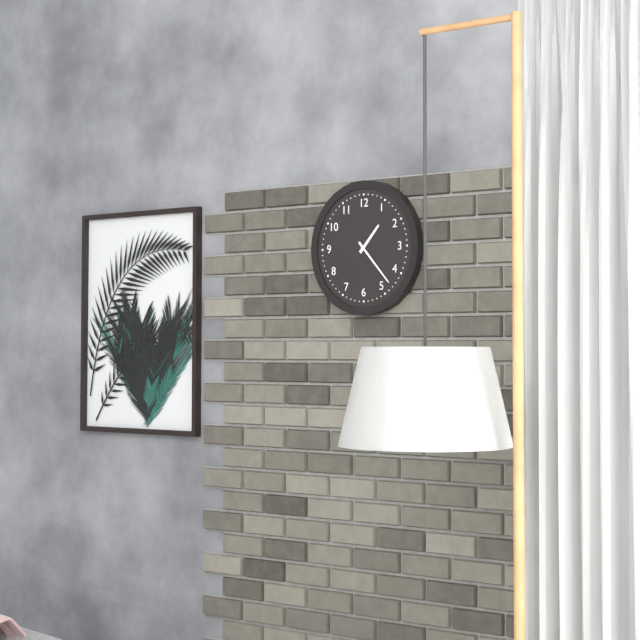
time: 1:23
